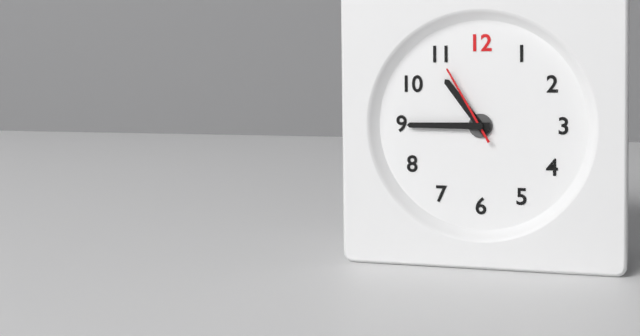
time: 10:45:55
